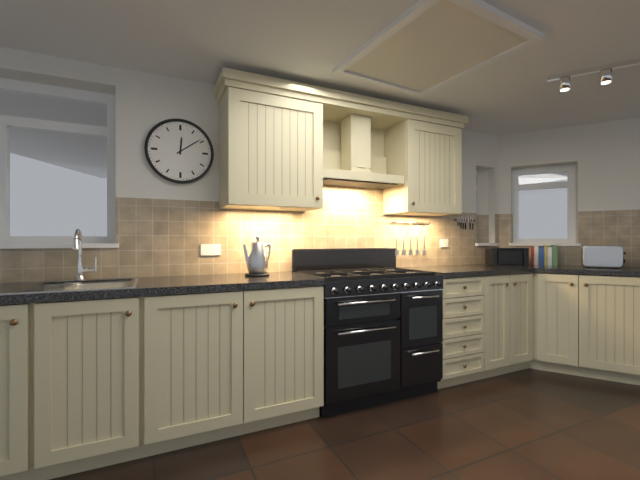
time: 12:09
